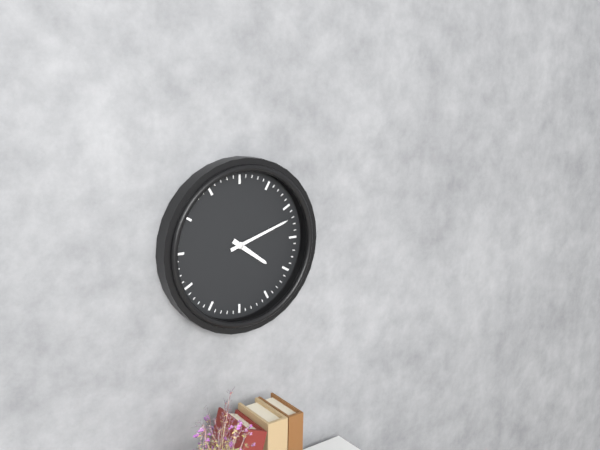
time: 4:12
